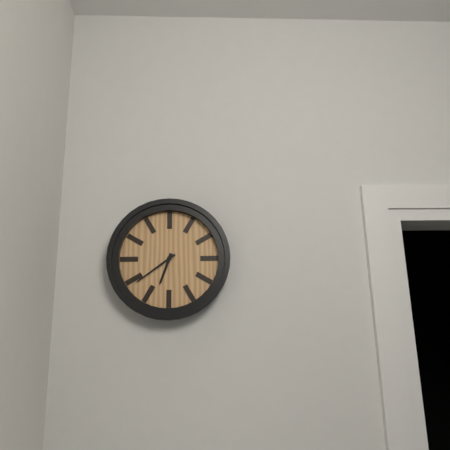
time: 6:39
